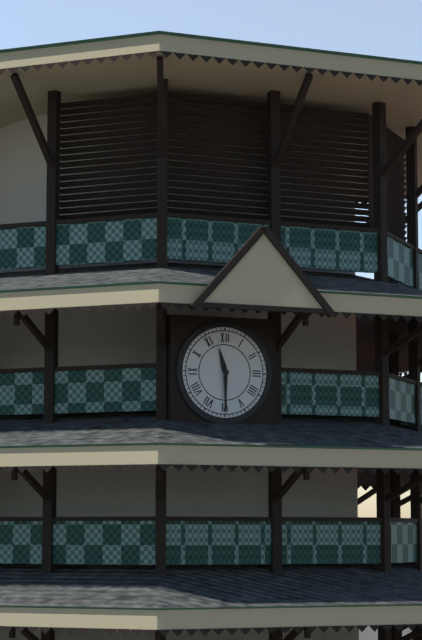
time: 11:30
